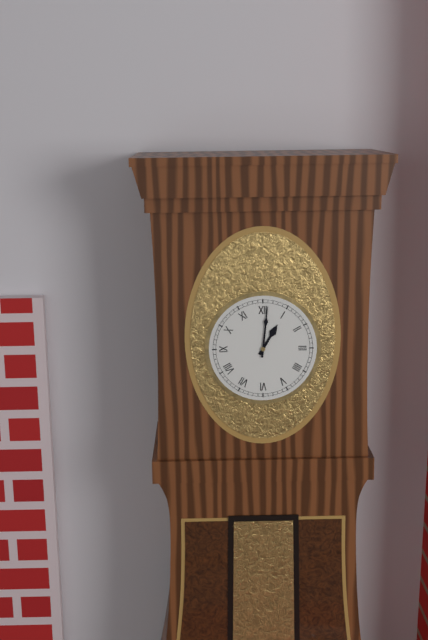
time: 1:01
